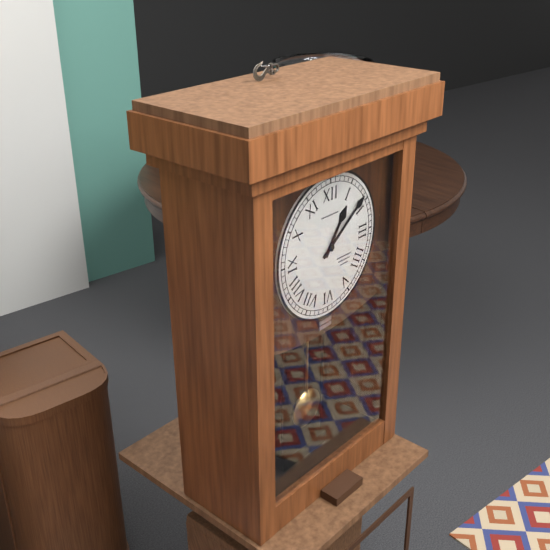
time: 1:09
